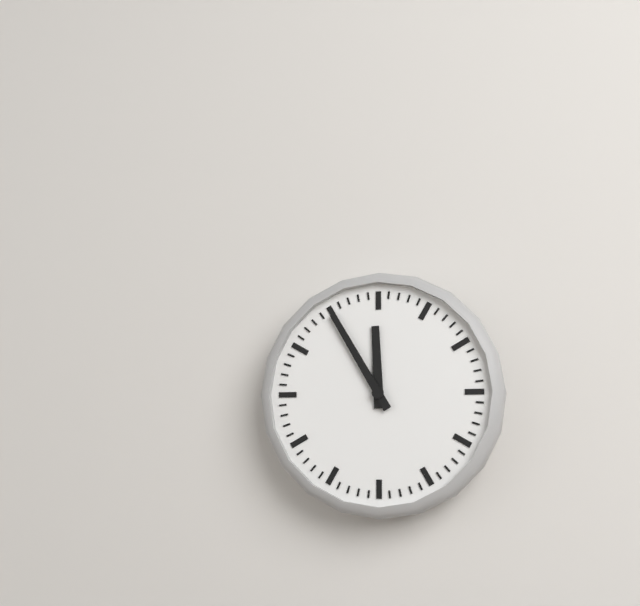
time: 11:55
